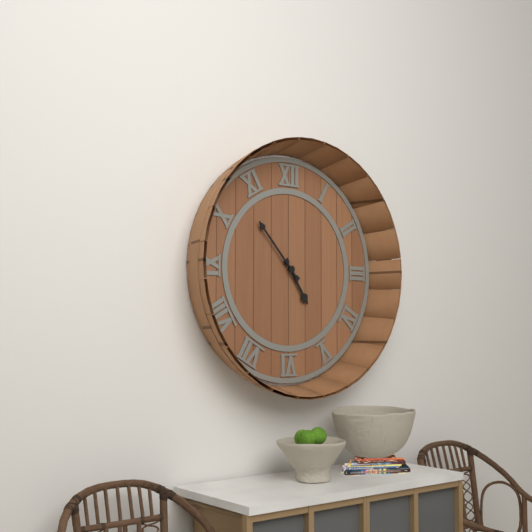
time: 4:53
